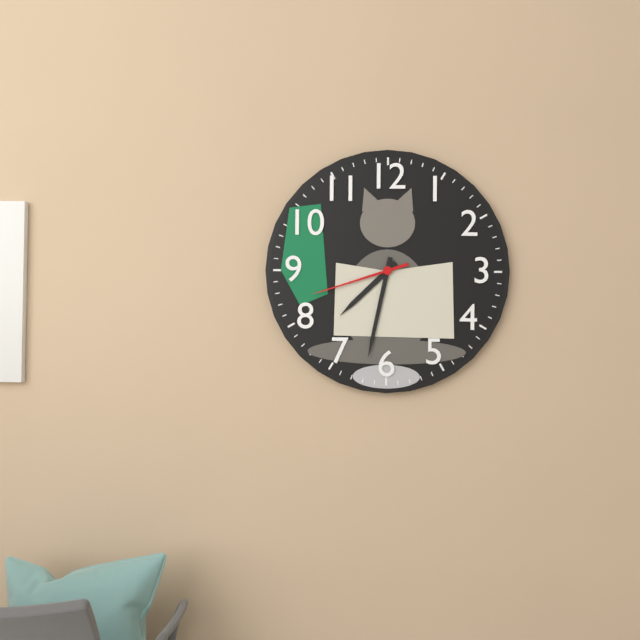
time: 7:32:42
